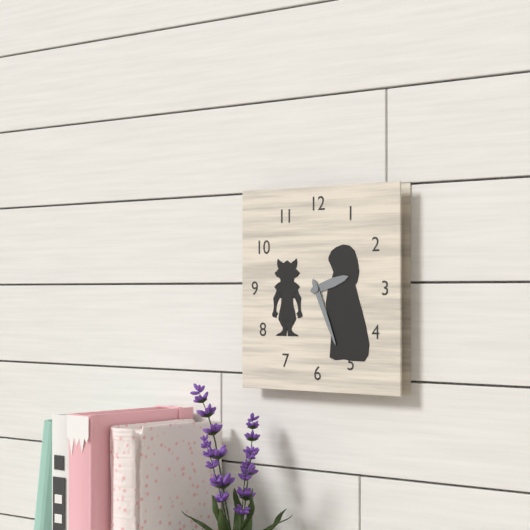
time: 2:26
